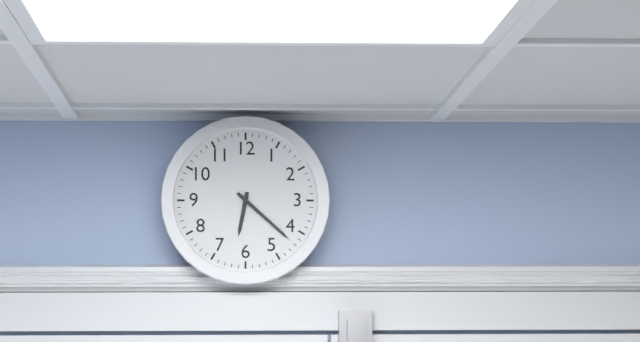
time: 6:22
